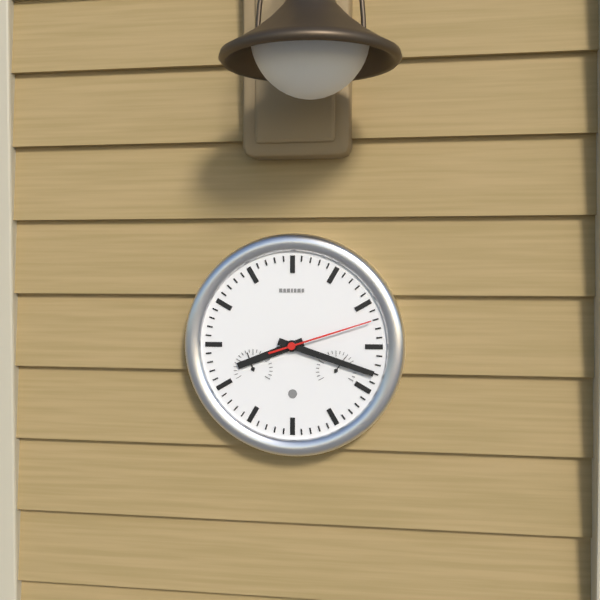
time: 8:18:12
